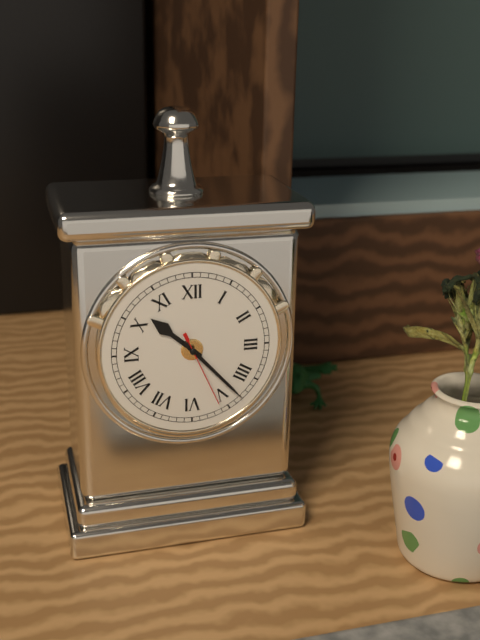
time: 10:23:26
